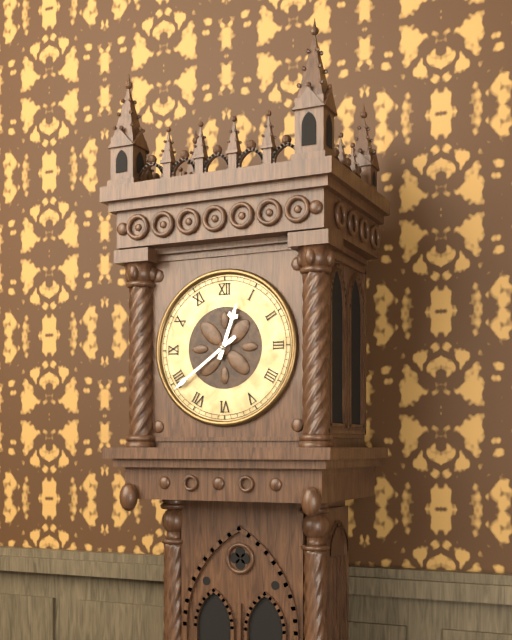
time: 12:39
